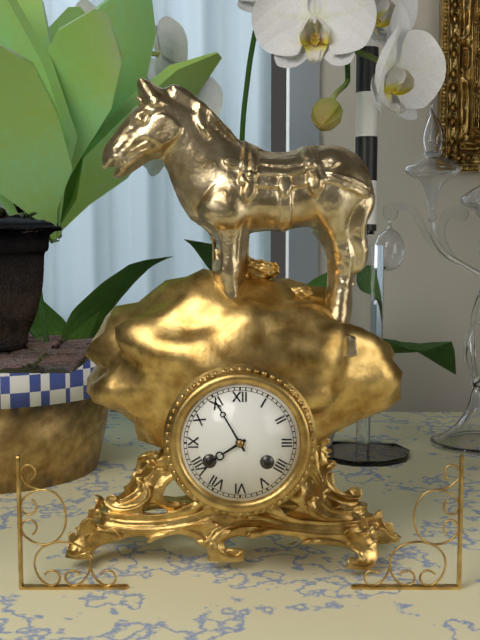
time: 7:55
